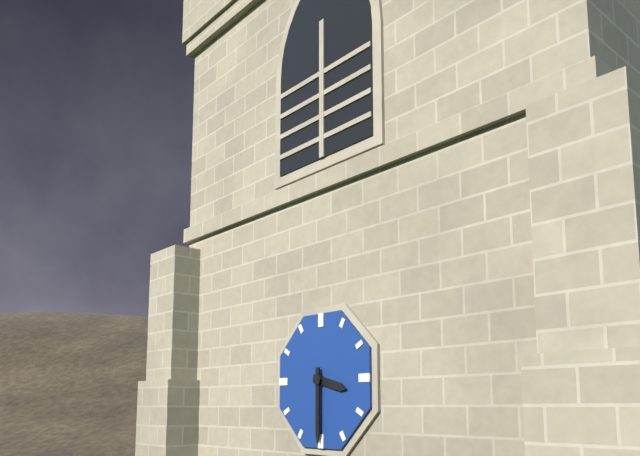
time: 3:30
